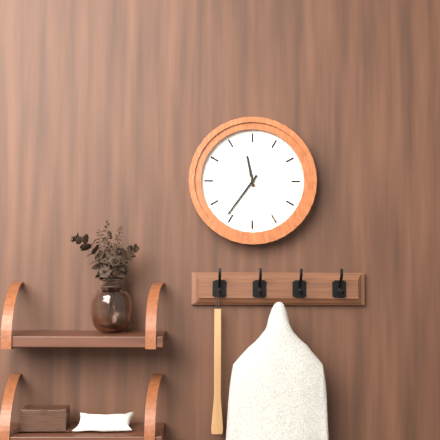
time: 11:36:25
